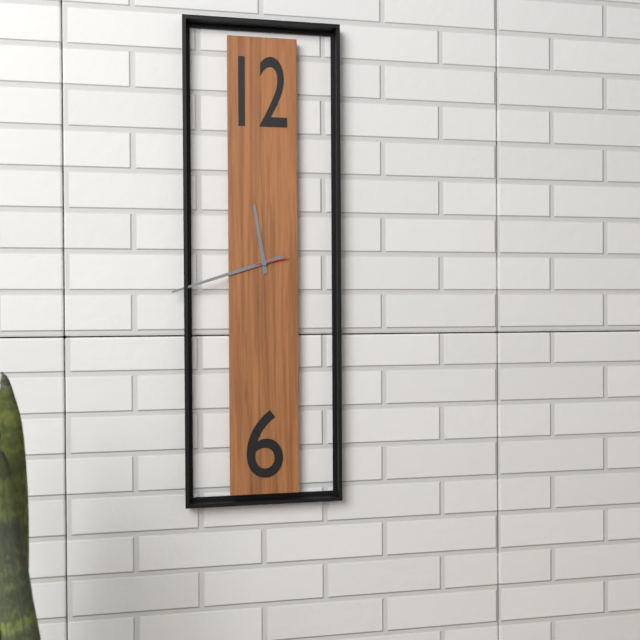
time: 11:42
